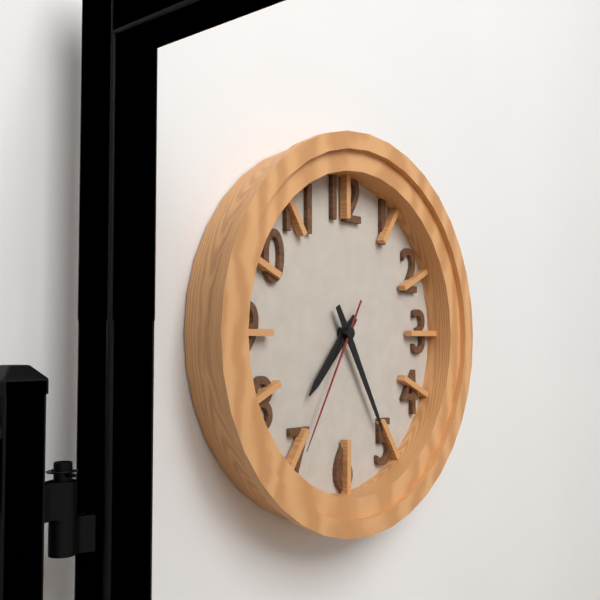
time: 7:25:35
